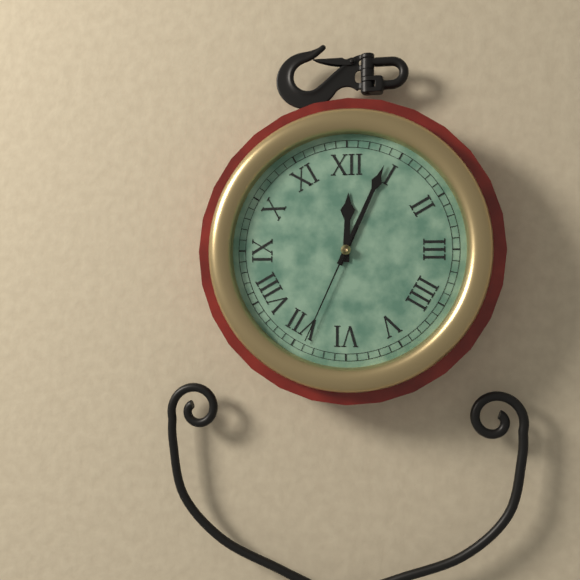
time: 12:04:34
